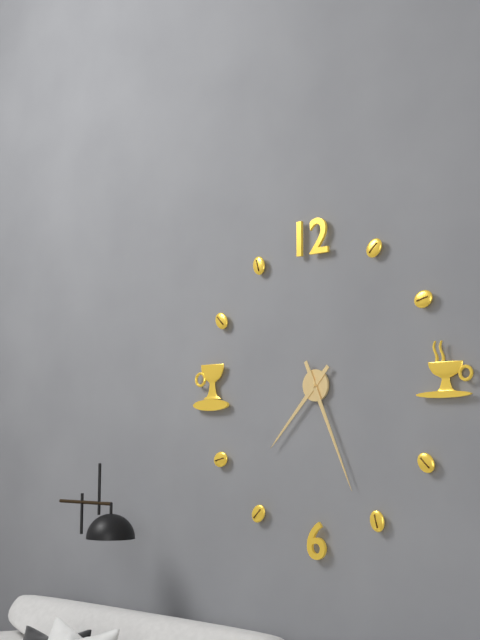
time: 7:26
